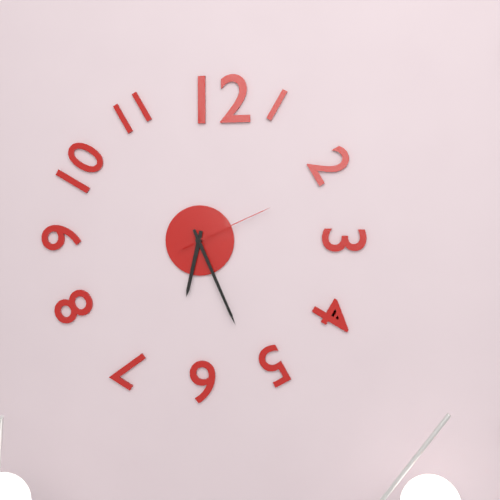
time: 6:26:11
